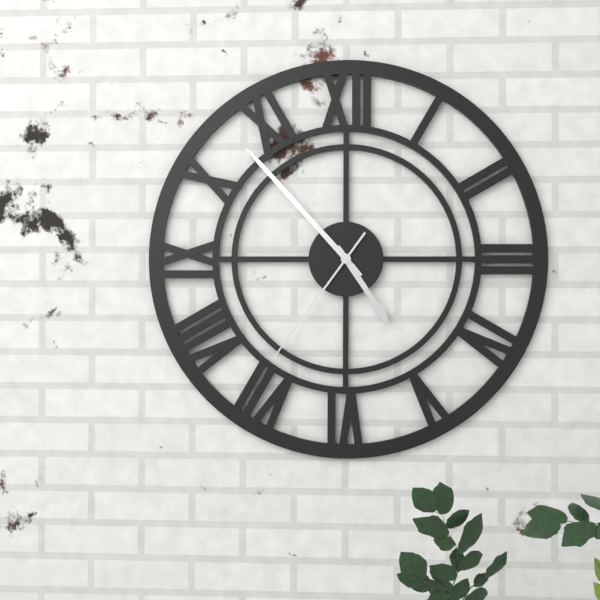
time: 4:53:36
